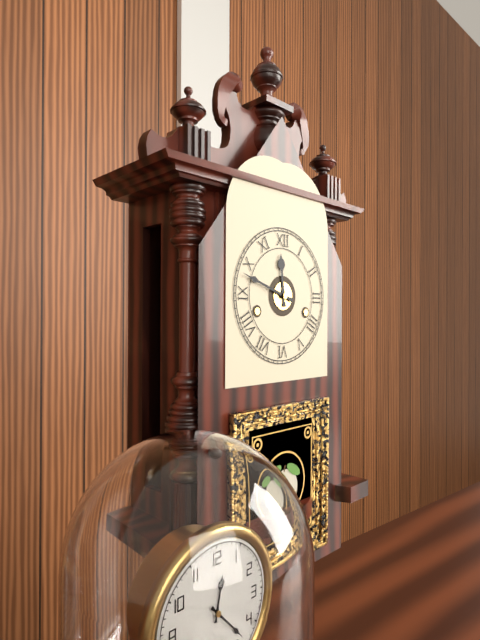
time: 11:48
